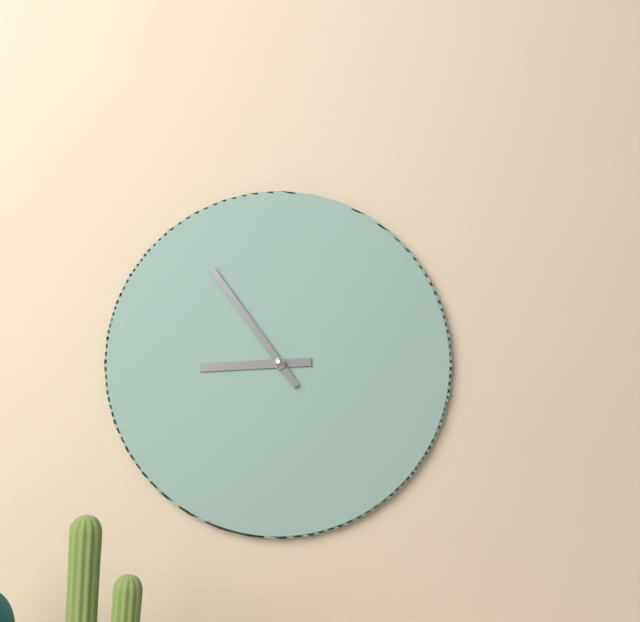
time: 8:54
